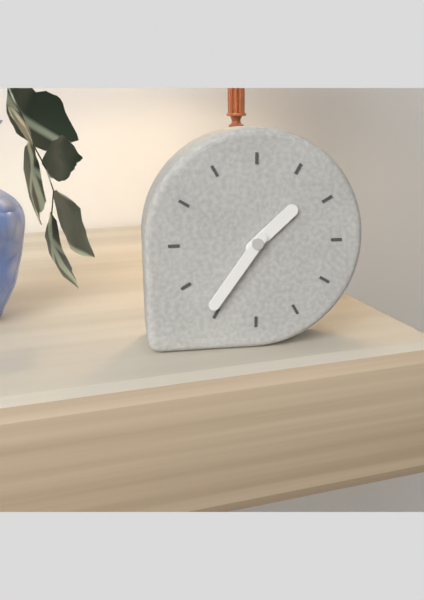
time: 1:36
